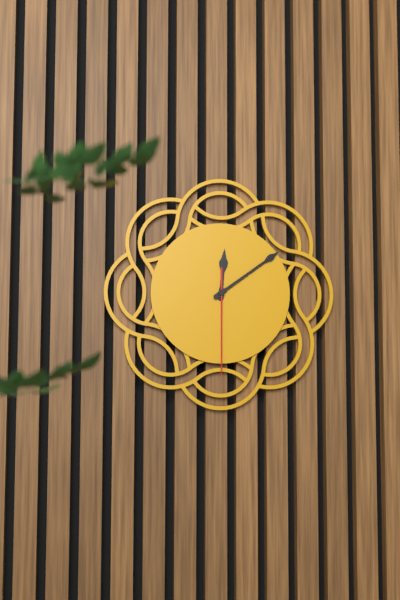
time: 12:09:30
